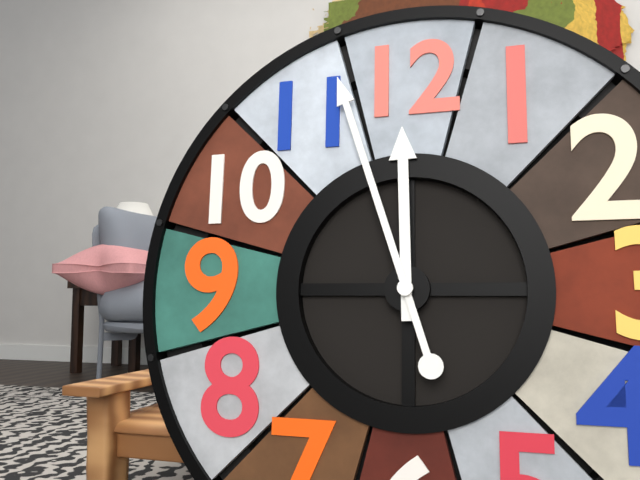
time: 11:57
